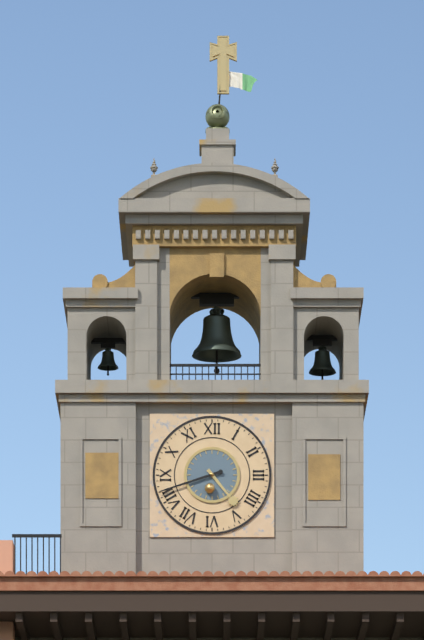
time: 4:42
